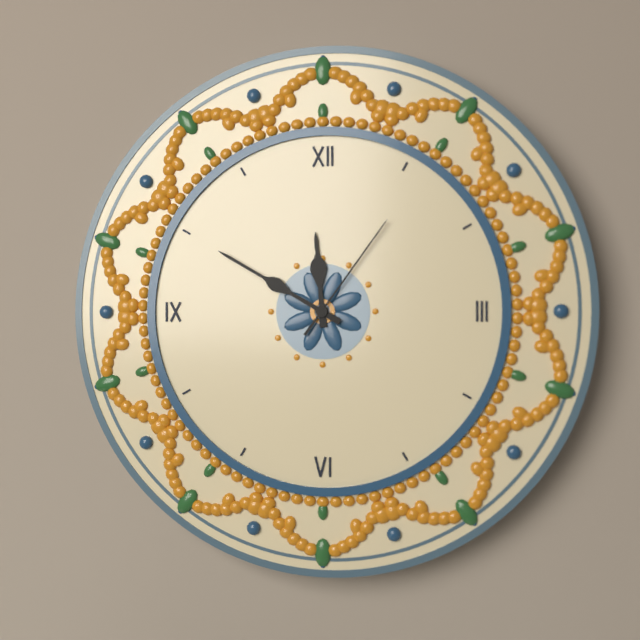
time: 11:50:06
